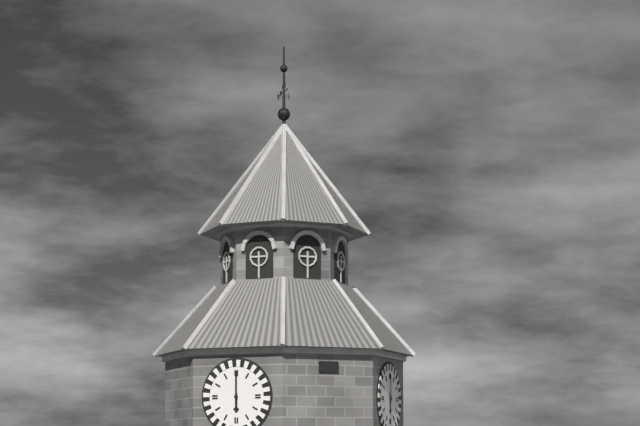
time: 6:00
